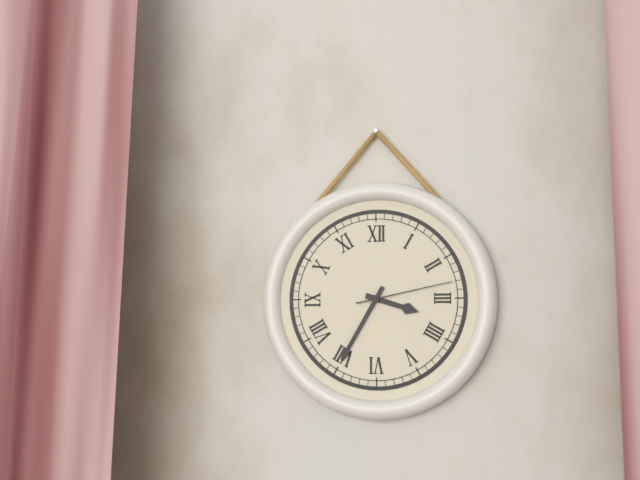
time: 3:35:13
